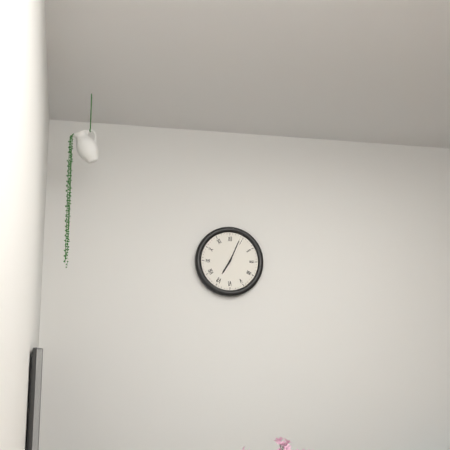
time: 7:04
